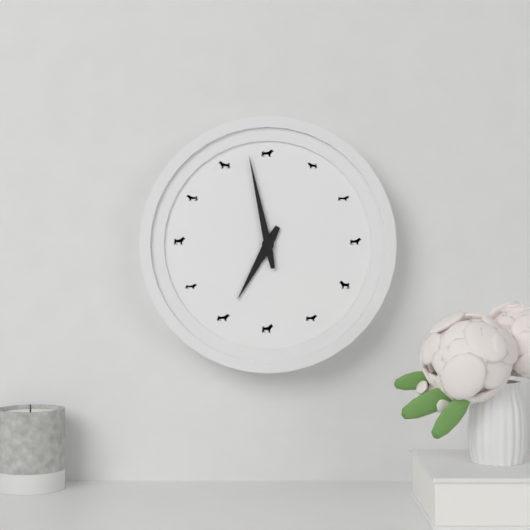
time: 6:58
